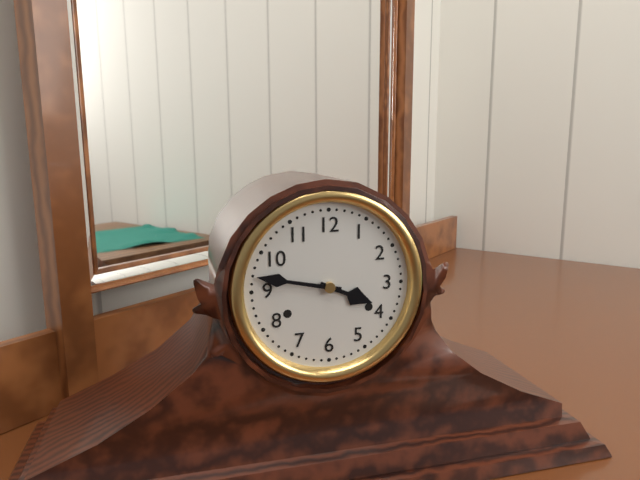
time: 3:47
